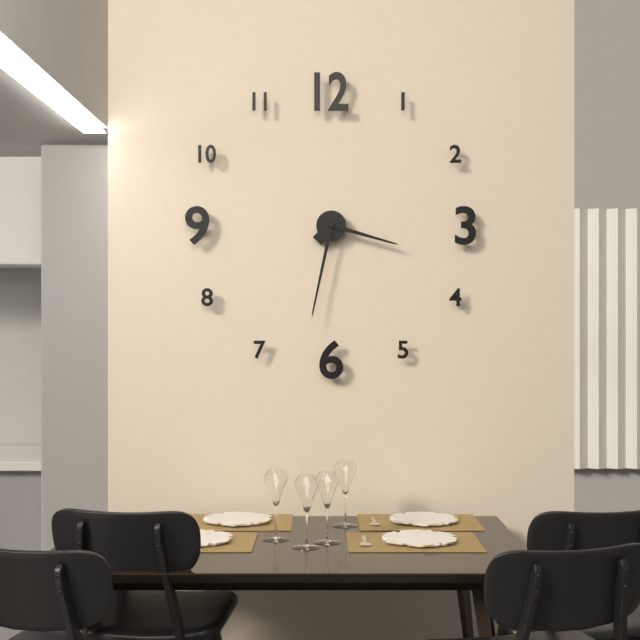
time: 3:32
